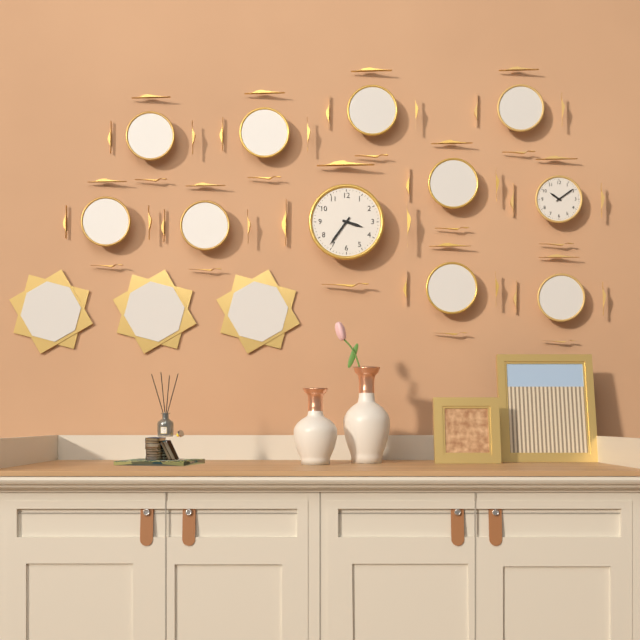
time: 3:36
